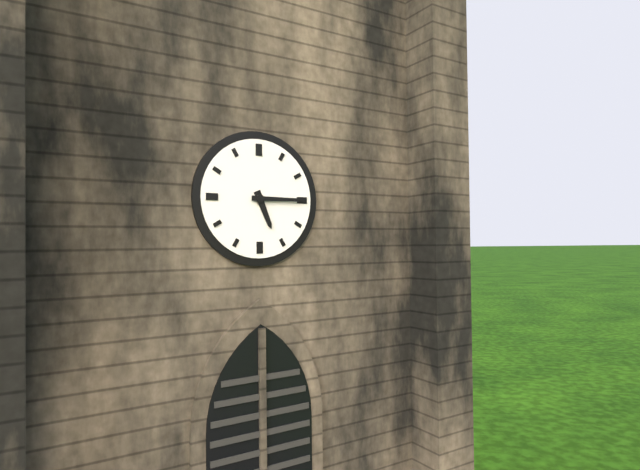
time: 5:15
